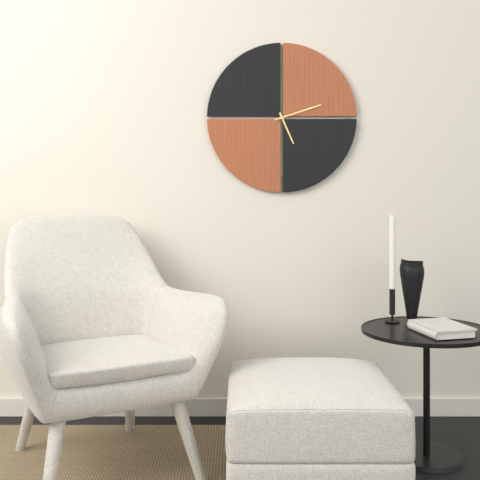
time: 5:12
